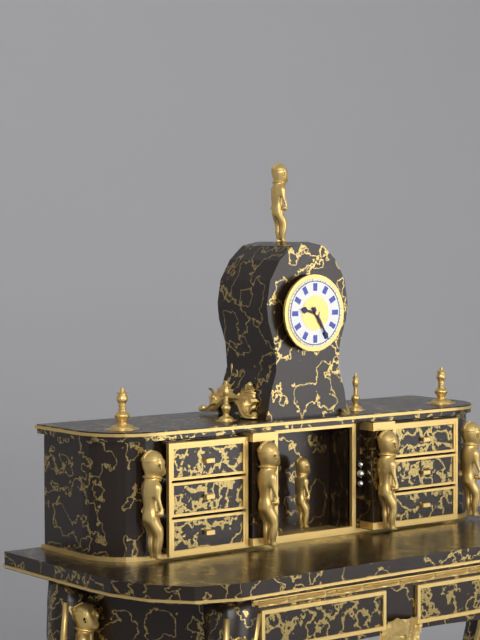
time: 9:25
